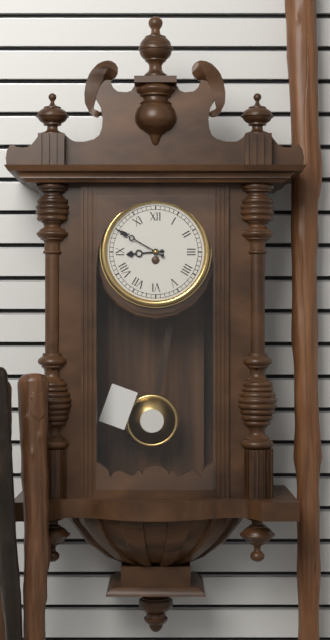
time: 8:50
